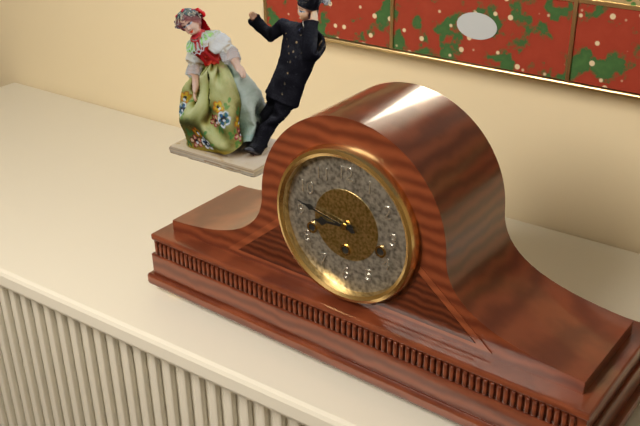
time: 8:47
